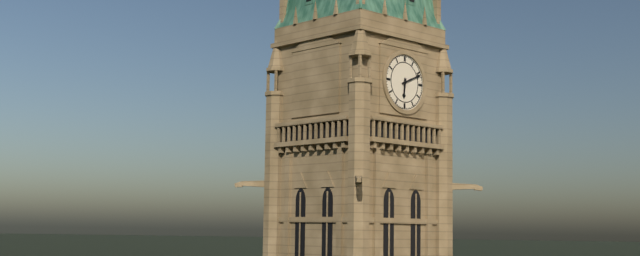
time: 6:11
